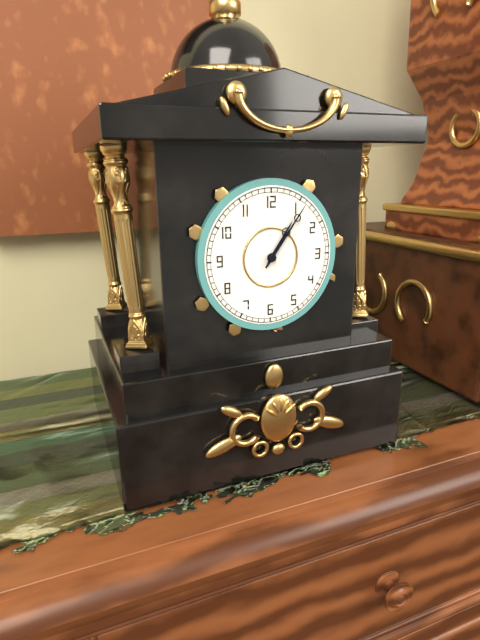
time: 1:06
